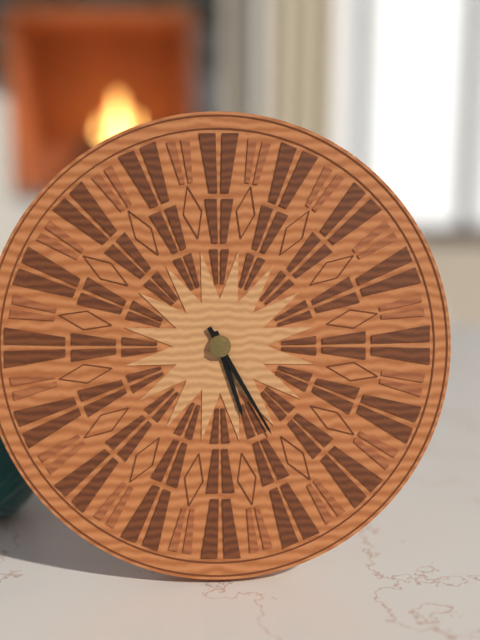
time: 5:25
